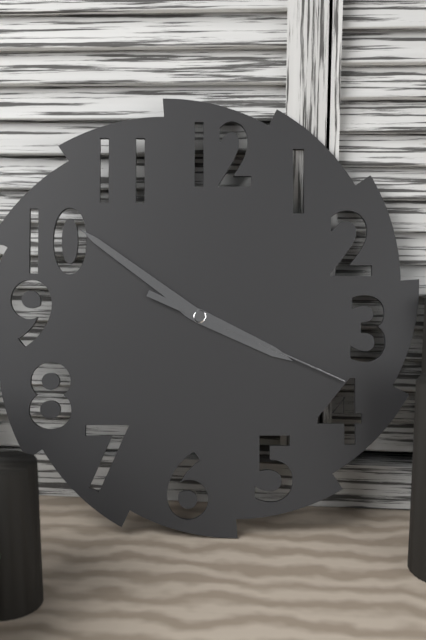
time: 3:51:19
